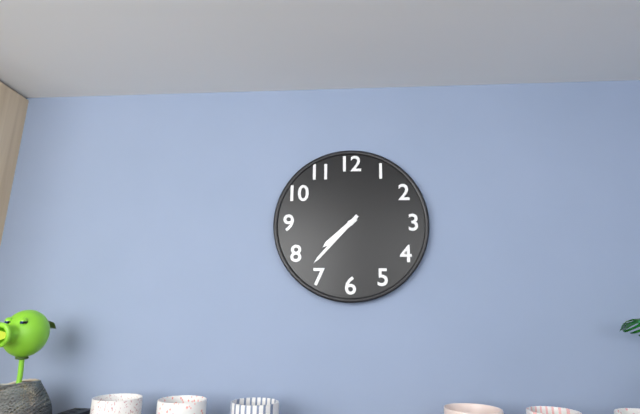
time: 7:37
